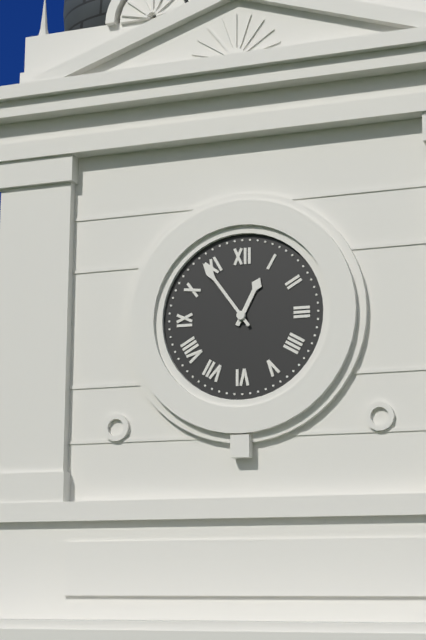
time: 12:54
